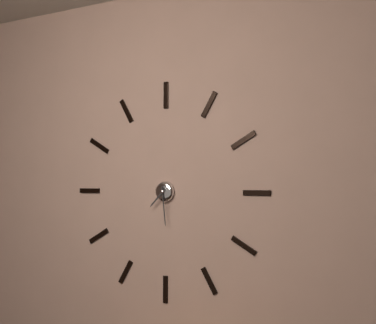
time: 7:29
